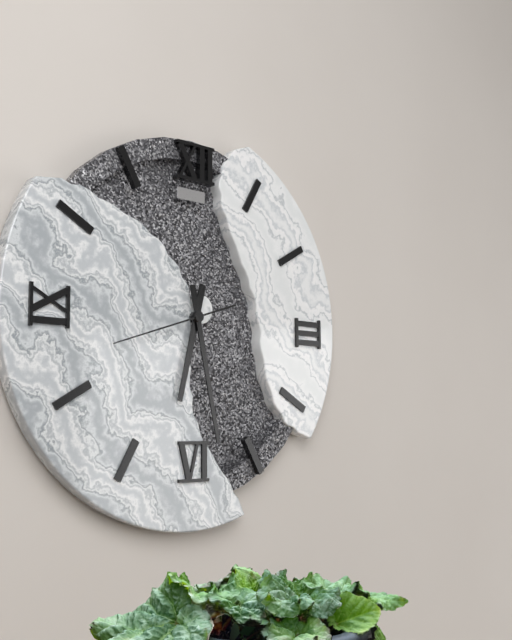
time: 6:28:42
